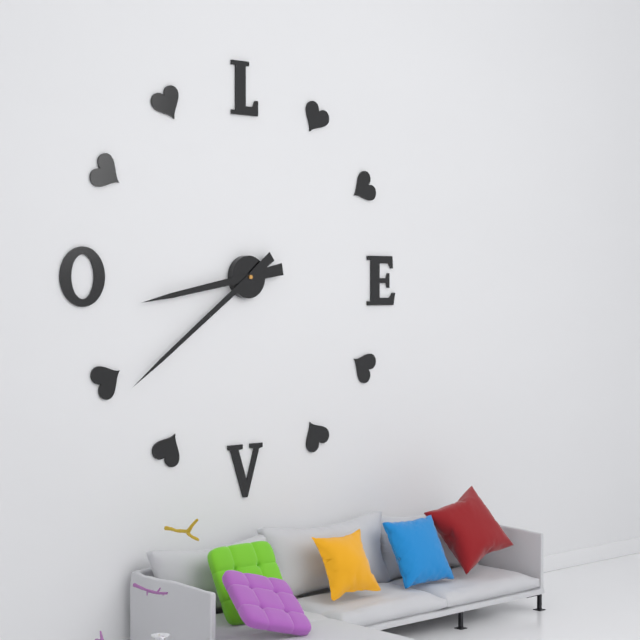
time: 8:39
